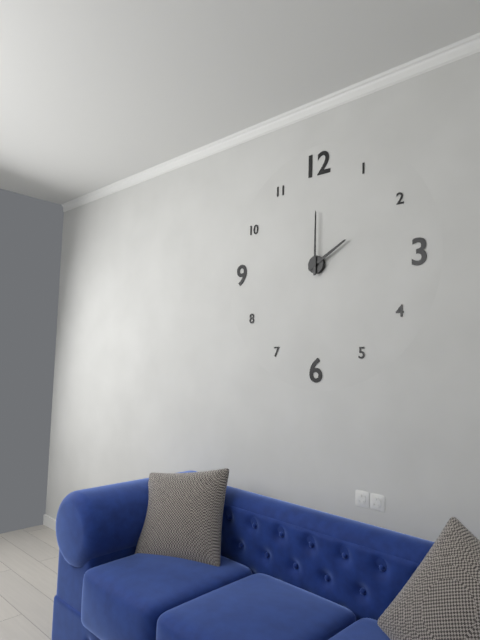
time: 2:00
